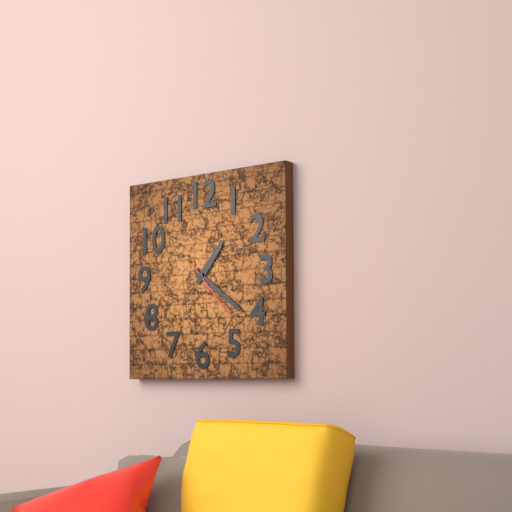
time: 1:21:23
